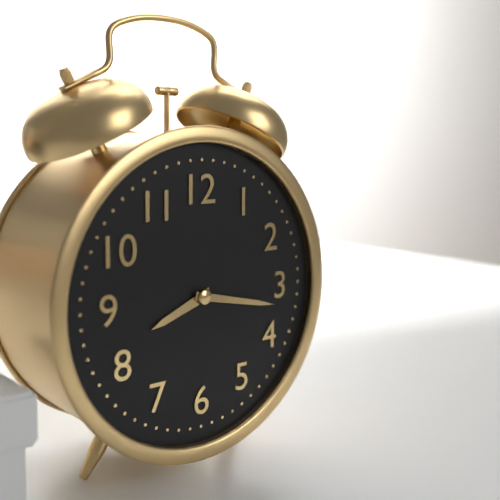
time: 8:17
